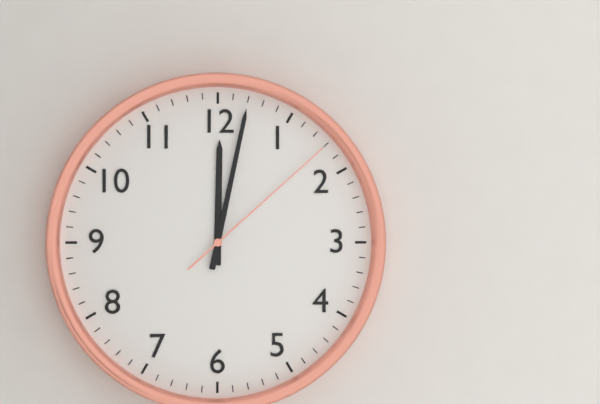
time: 12:02:08
